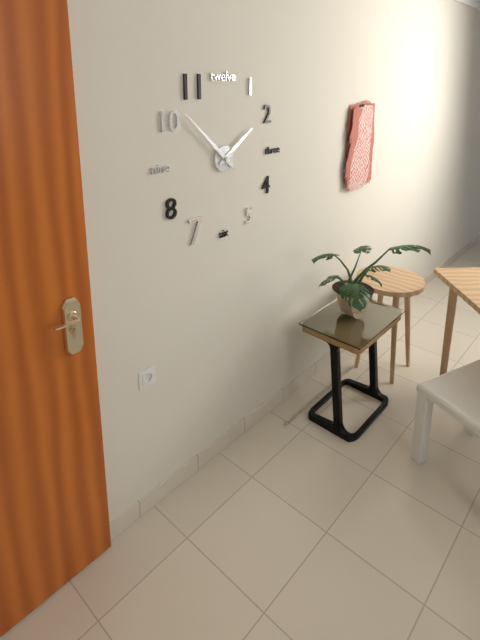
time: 1:52
